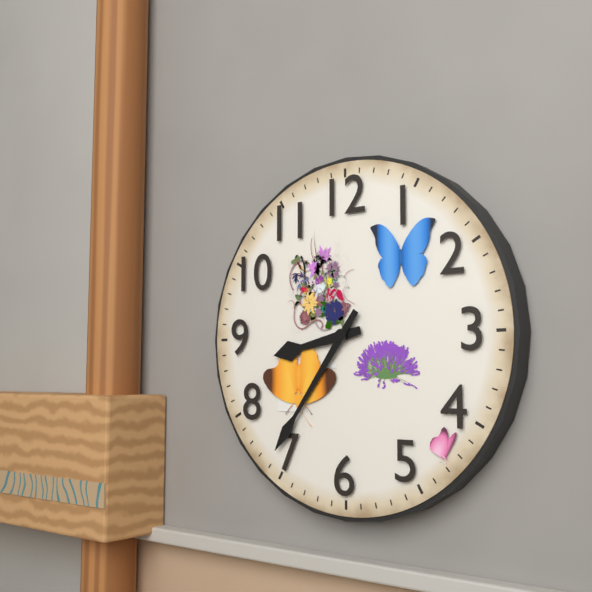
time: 8:36
